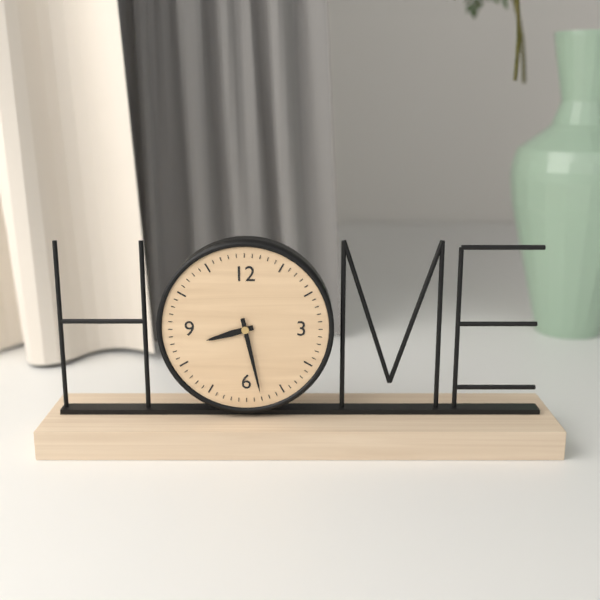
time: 8:28
